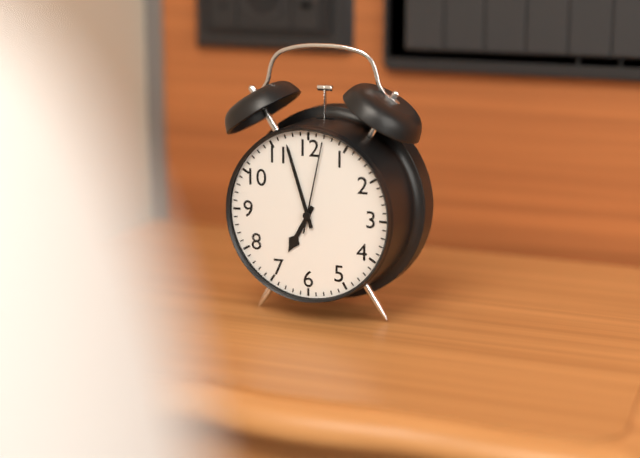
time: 6:57:02
